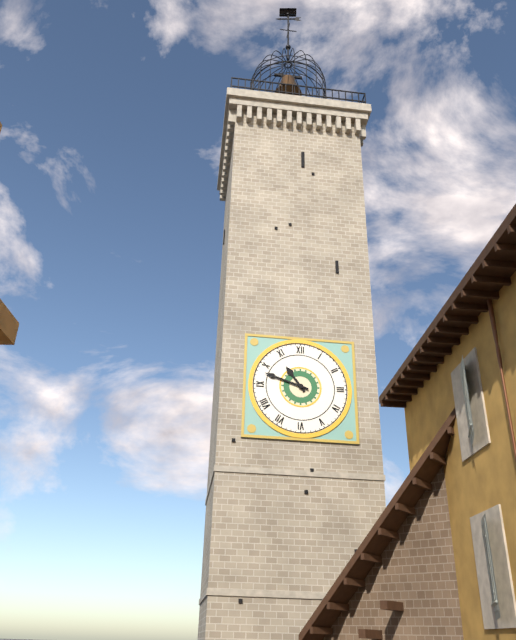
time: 10:48
